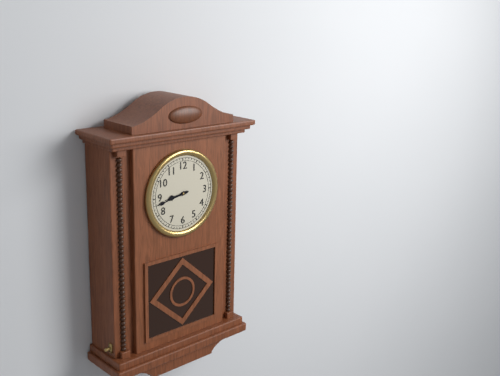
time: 8:43
